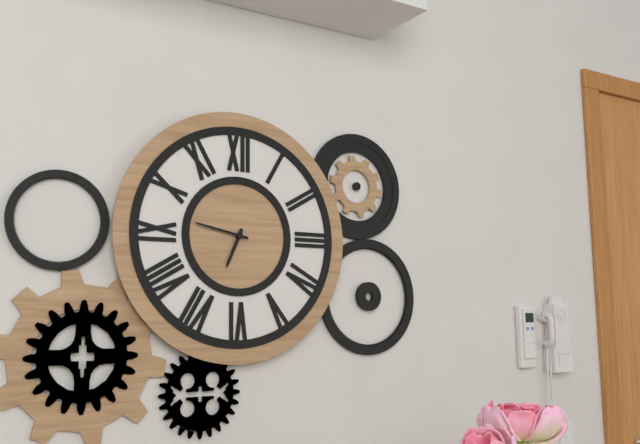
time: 6:47
